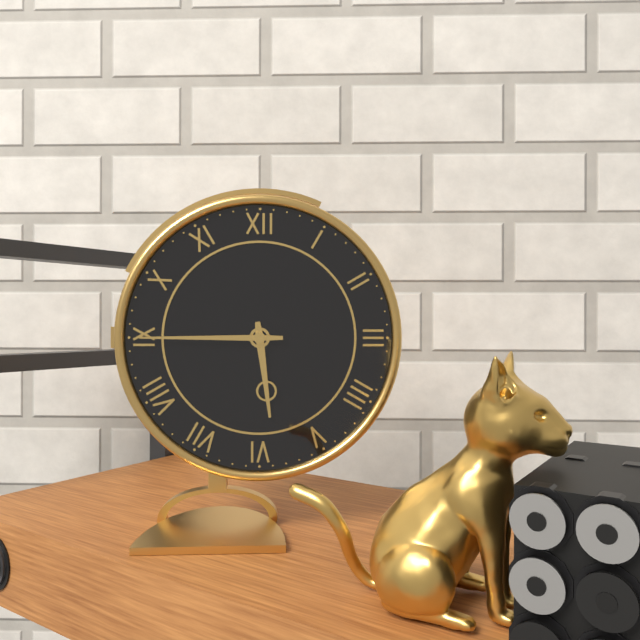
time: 5:45
